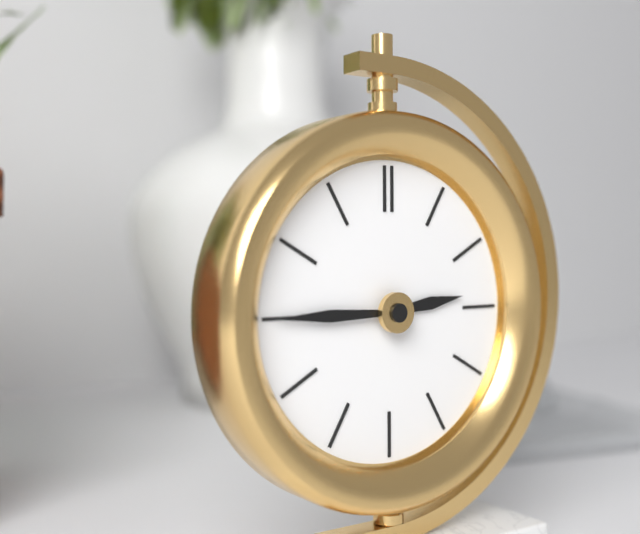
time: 2:45
